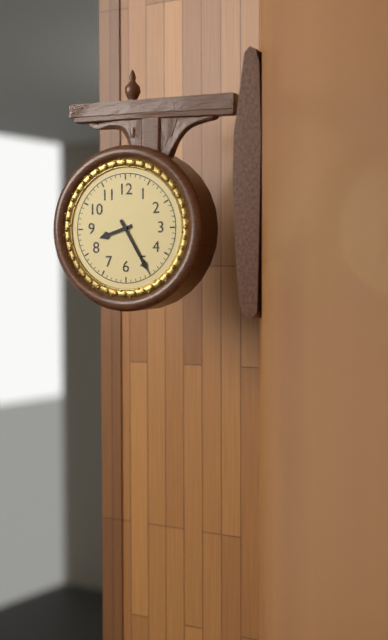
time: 8:25
